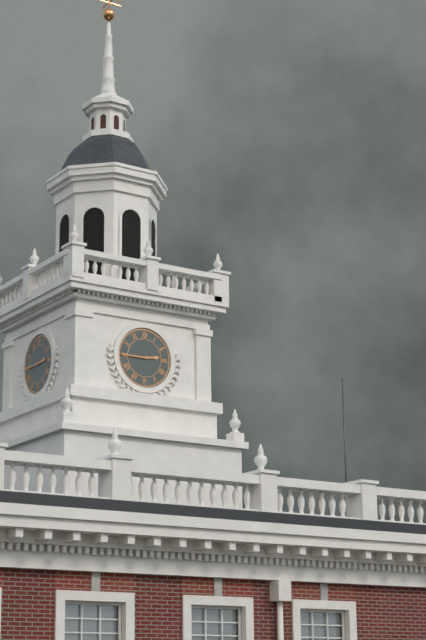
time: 2:45
